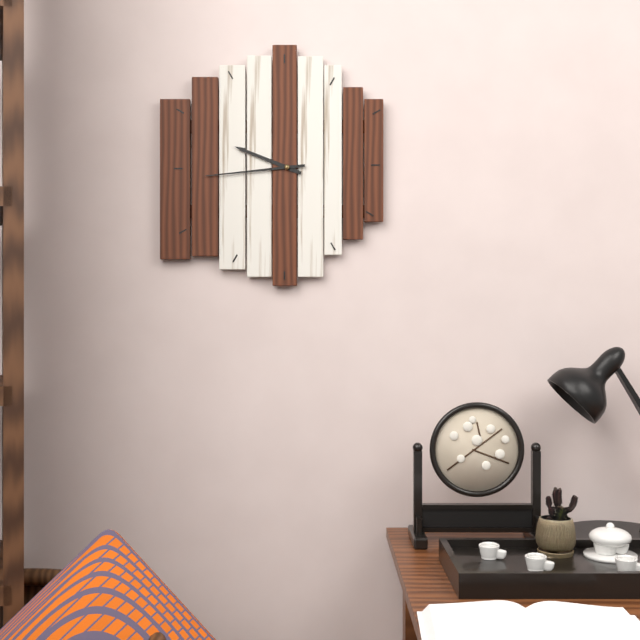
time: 9:44
